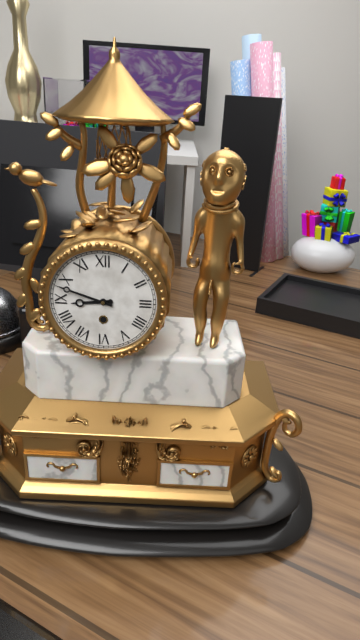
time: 8:48
